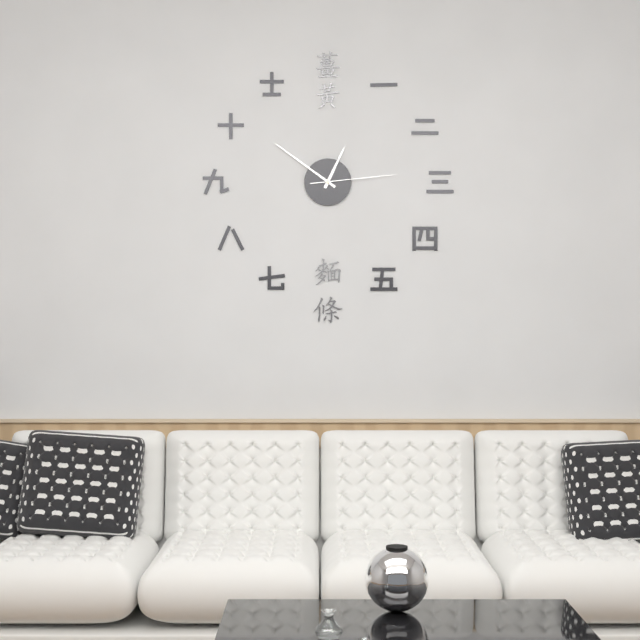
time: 12:51:14
